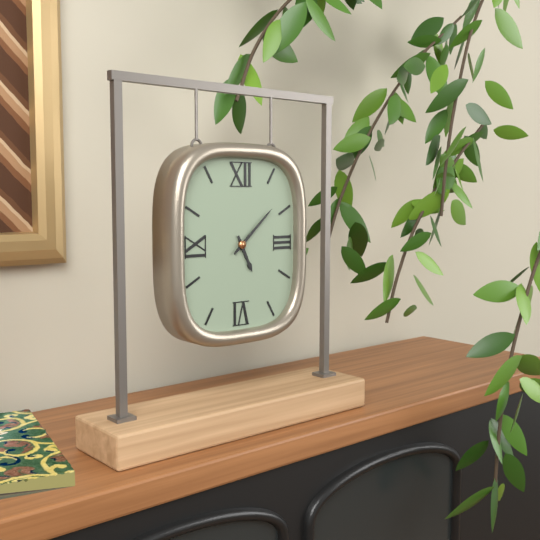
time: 5:08
